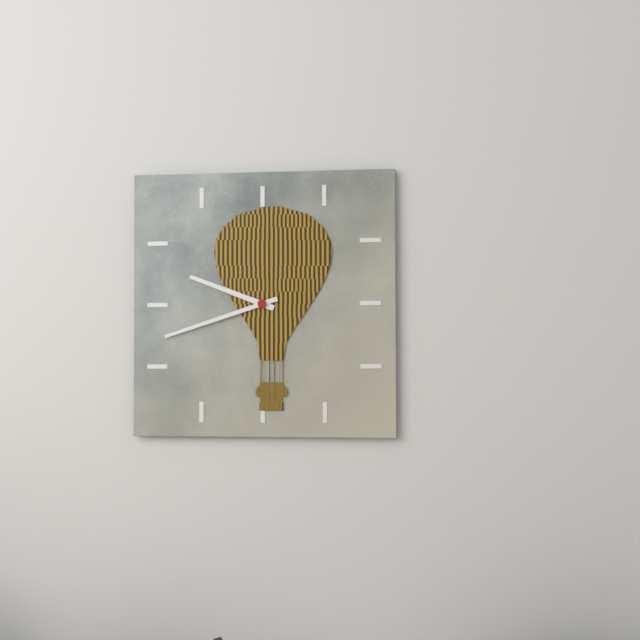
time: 9:42
